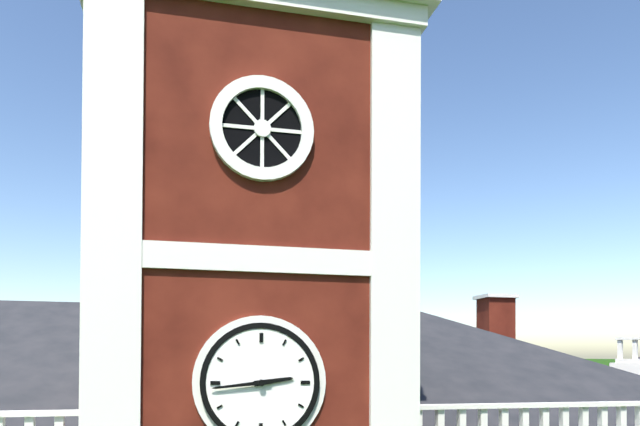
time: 2:44
